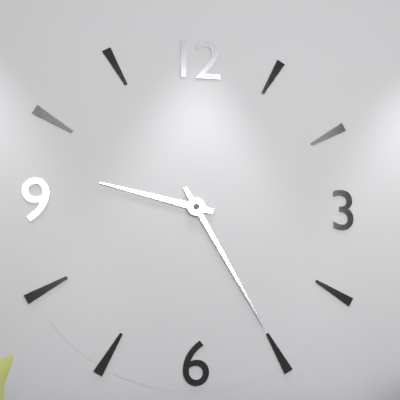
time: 9:25
